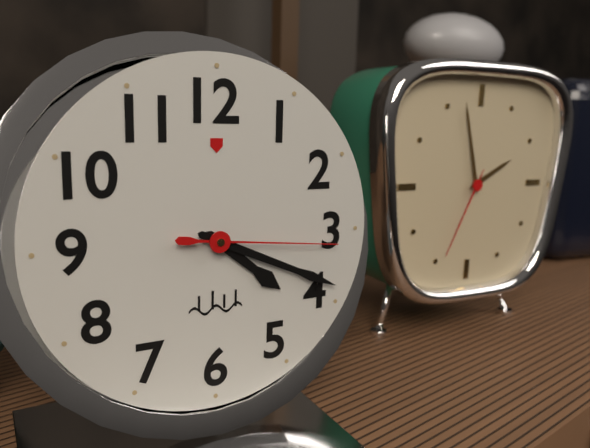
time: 4:19:16
